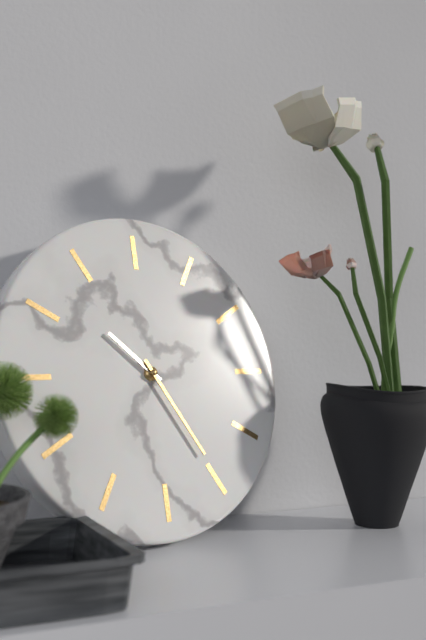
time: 10:25
